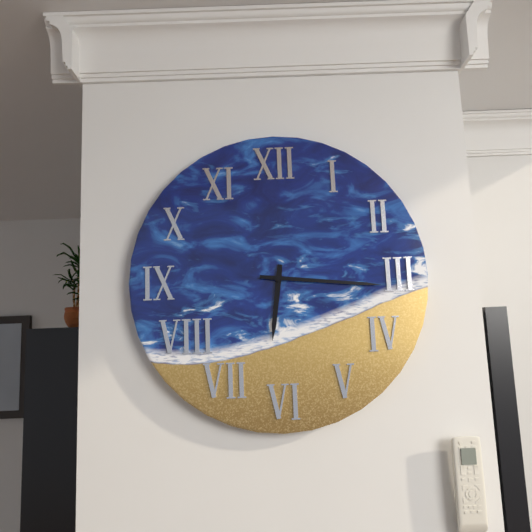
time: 6:16
